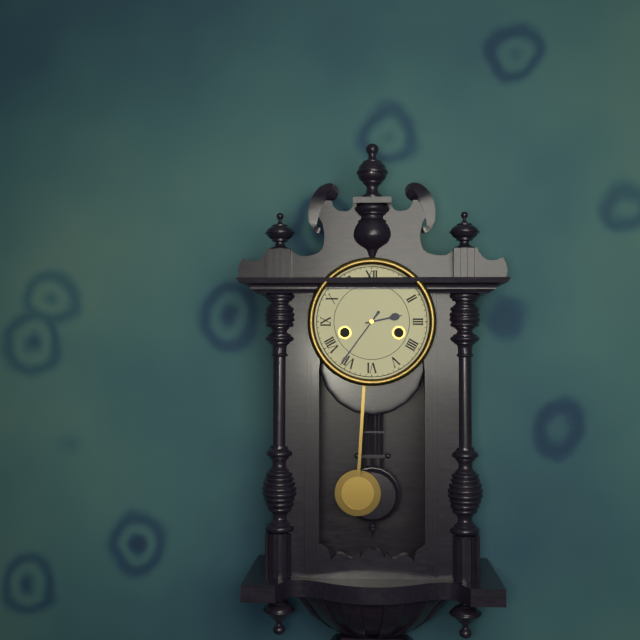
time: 2:36
